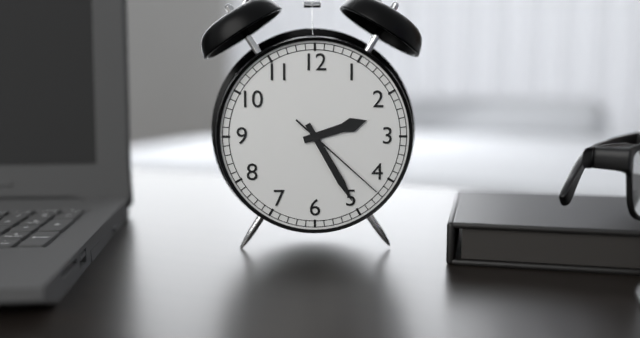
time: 2:25:22
